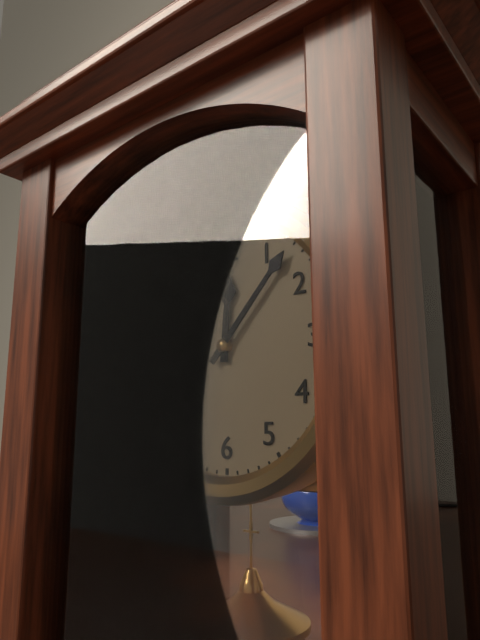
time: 12:07
